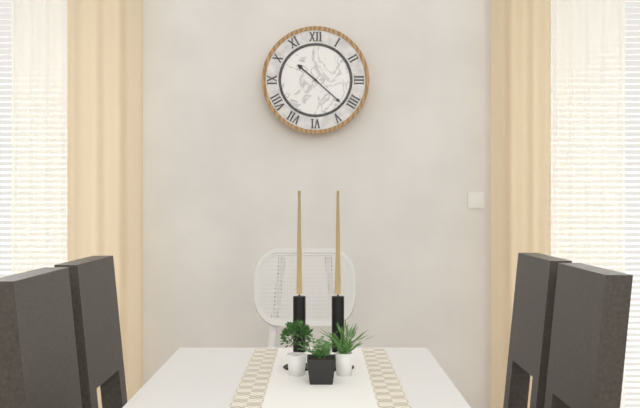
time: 10:22
